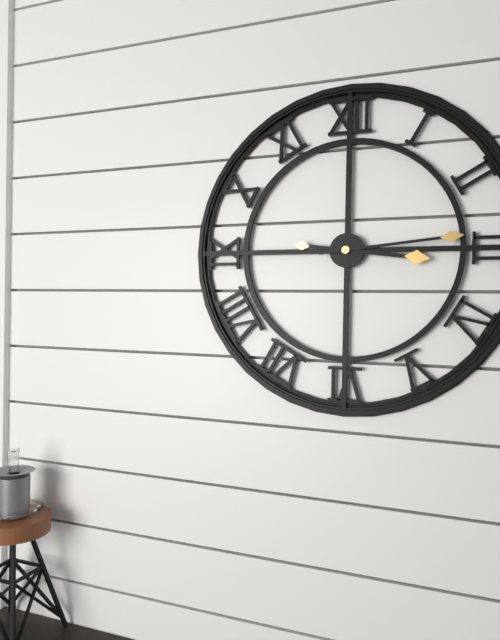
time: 3:14
